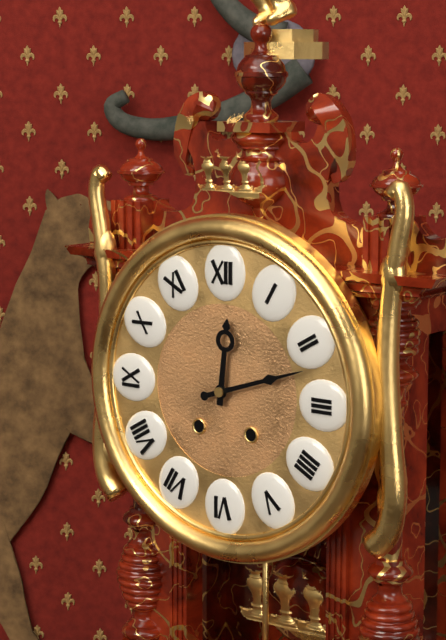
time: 12:12
